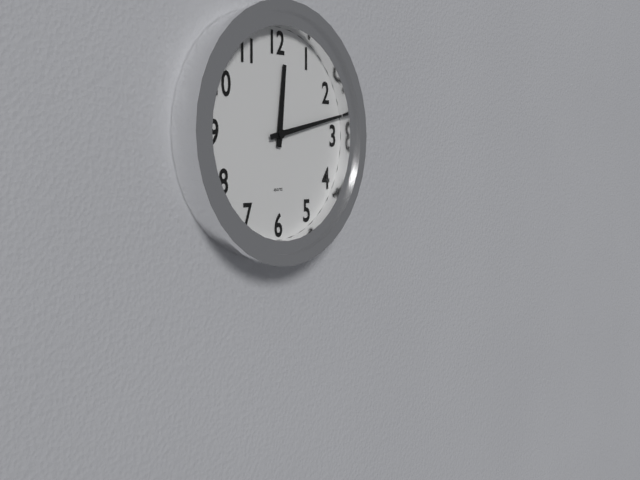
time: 12:13
